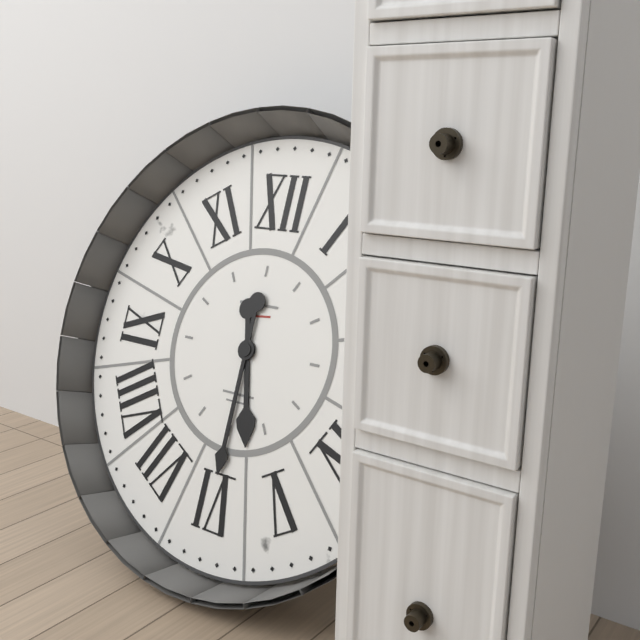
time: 5:30
